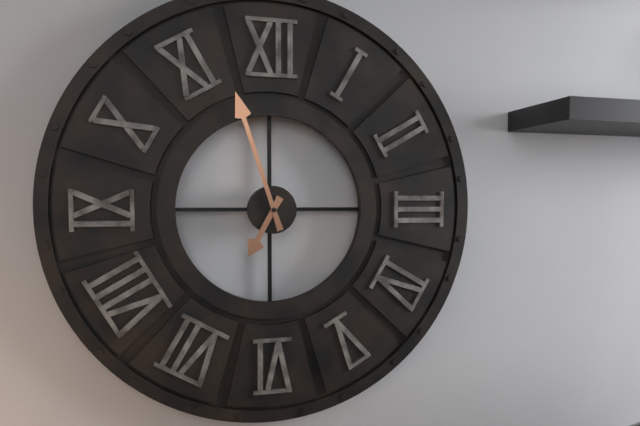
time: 6:57
